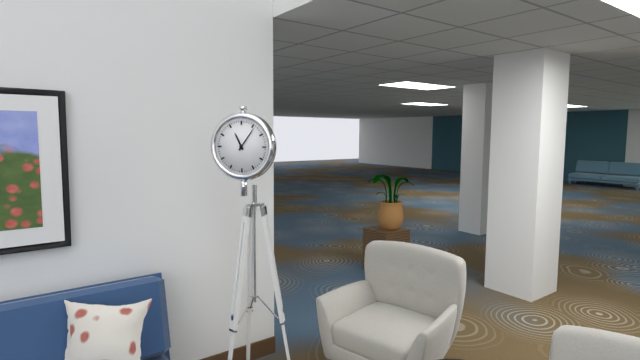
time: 11:06
